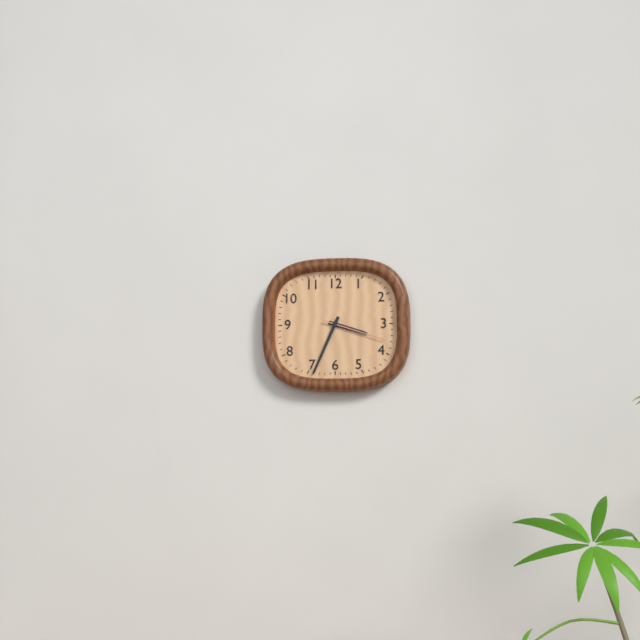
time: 3:34:18
